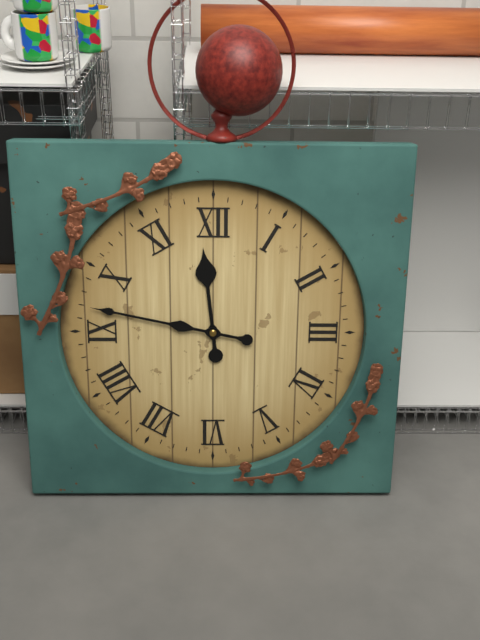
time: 11:47
